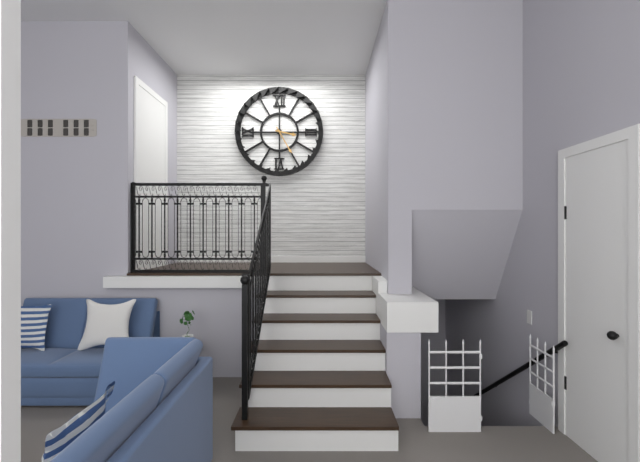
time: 3:25
